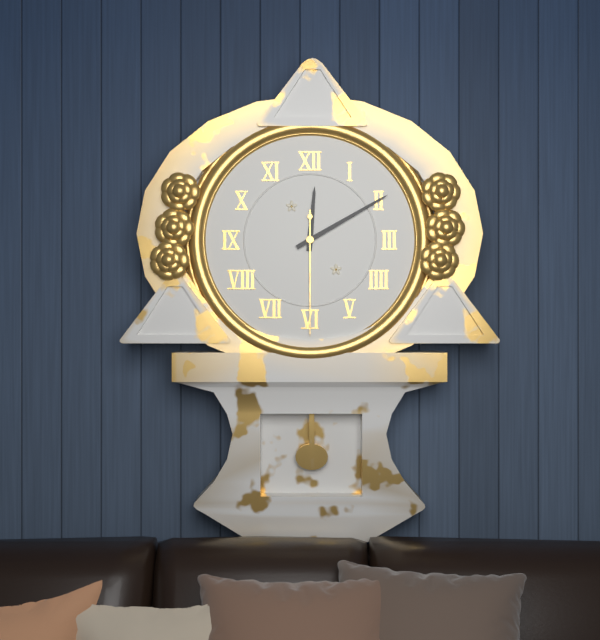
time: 12:10:30
